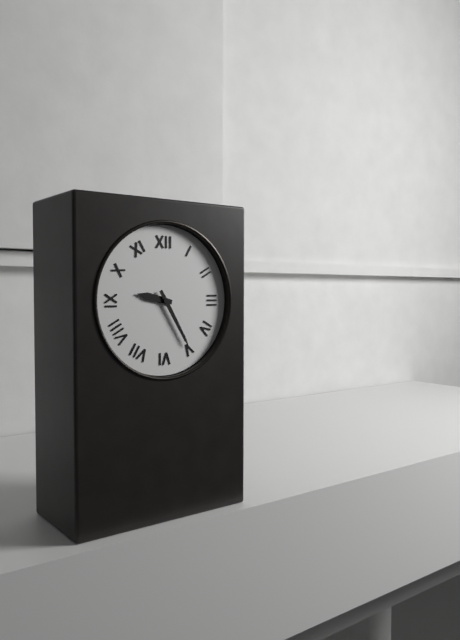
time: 9:25
